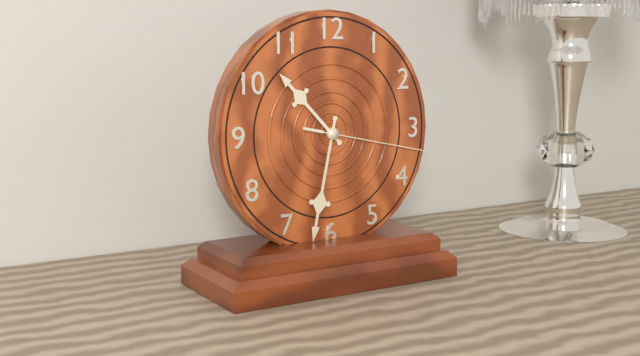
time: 10:32:17
